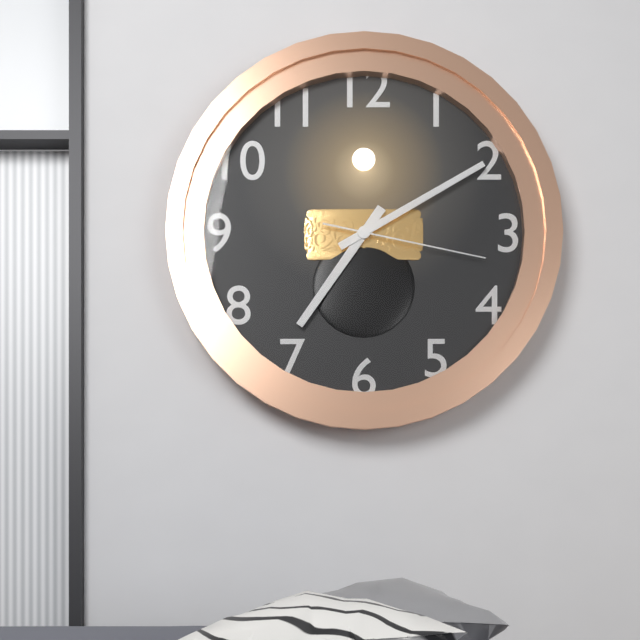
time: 7:10:17
